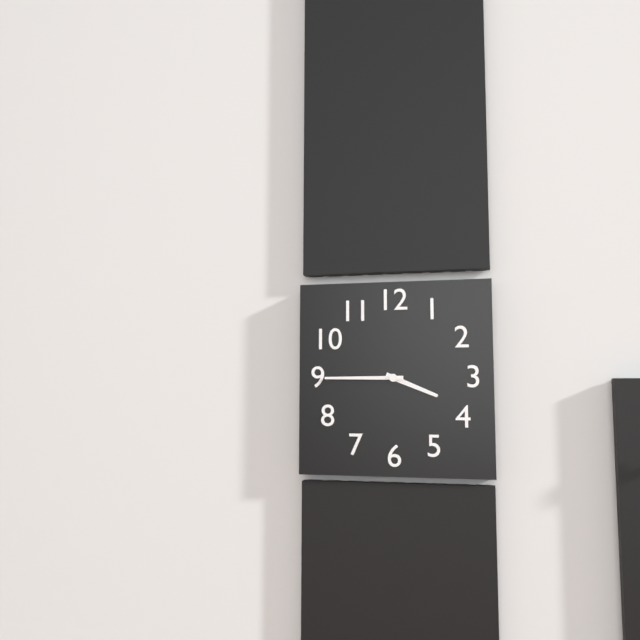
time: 3:45
